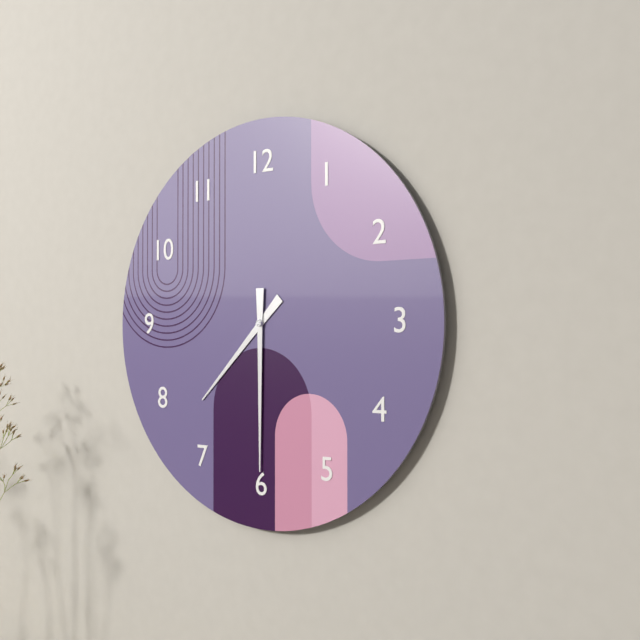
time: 7:30
